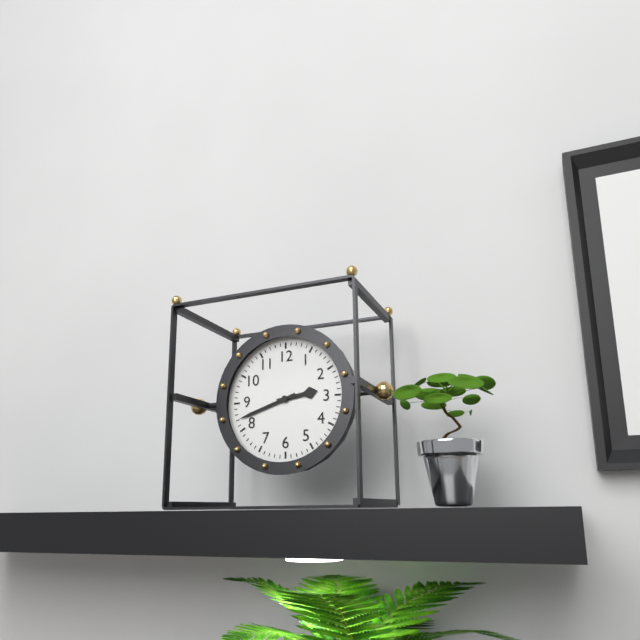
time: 2:42
